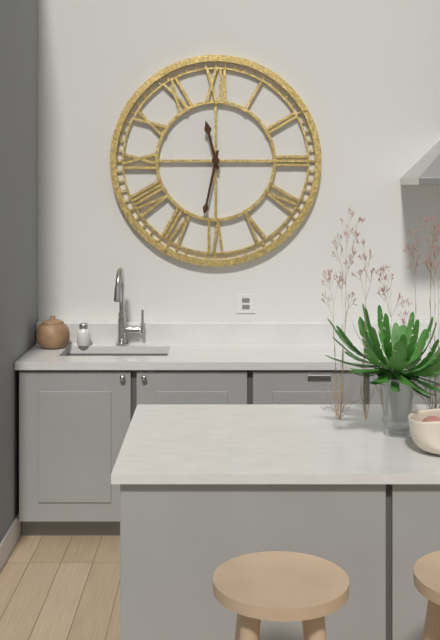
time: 11:32
